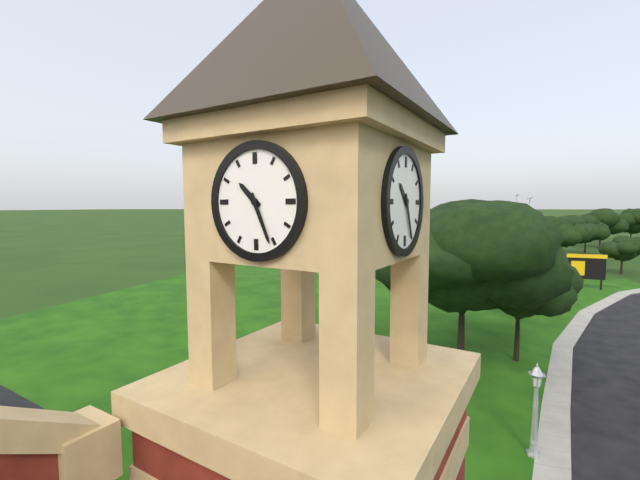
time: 10:26
